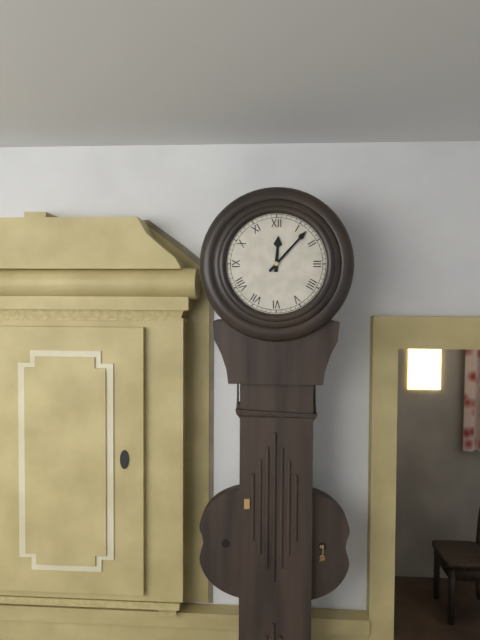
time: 12:07
